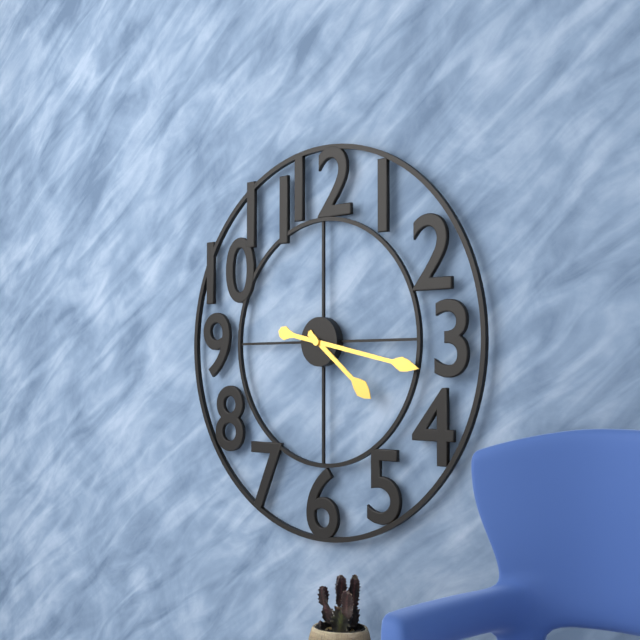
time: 4:17
